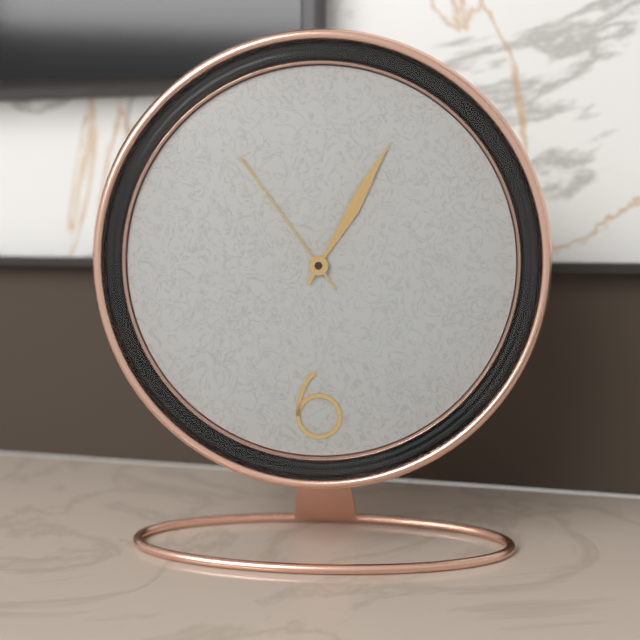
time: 1:05:54
